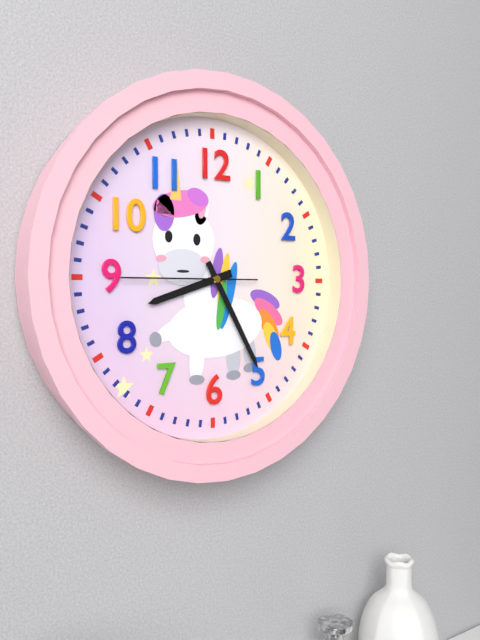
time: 8:25:45
